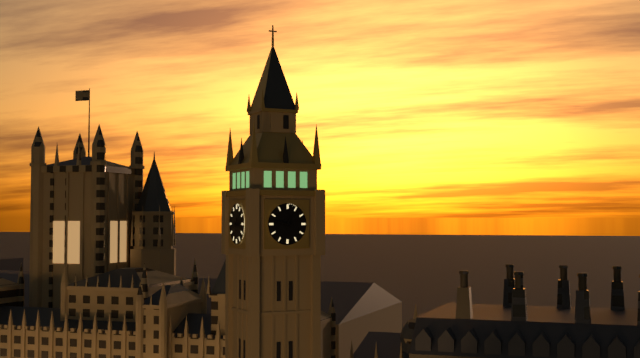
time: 12:47
